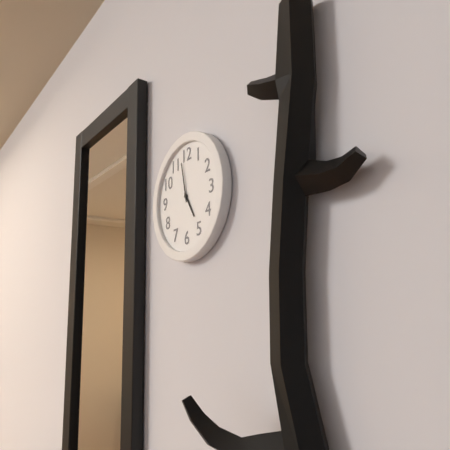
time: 4:58
